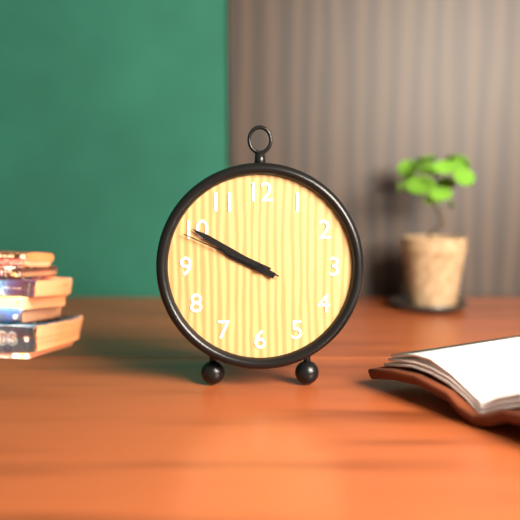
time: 9:50:49
